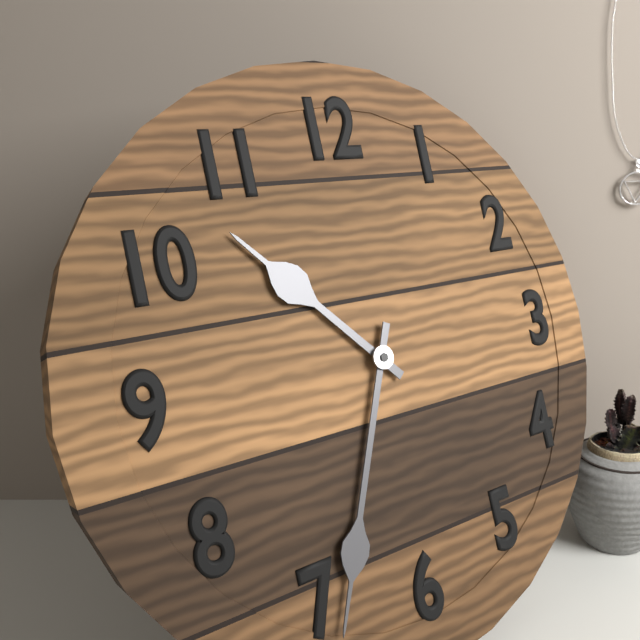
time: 10:34
